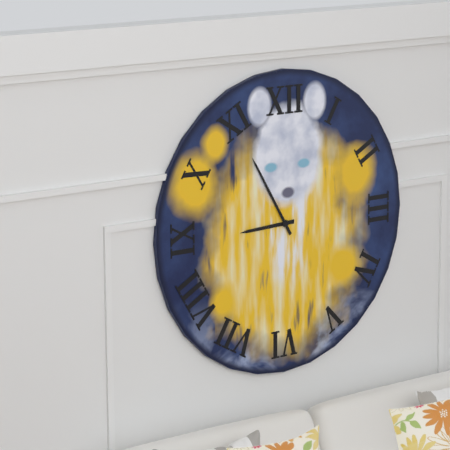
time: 8:55
